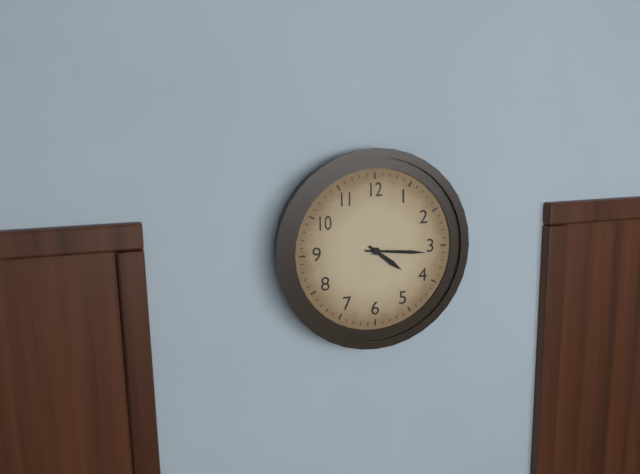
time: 4:16
